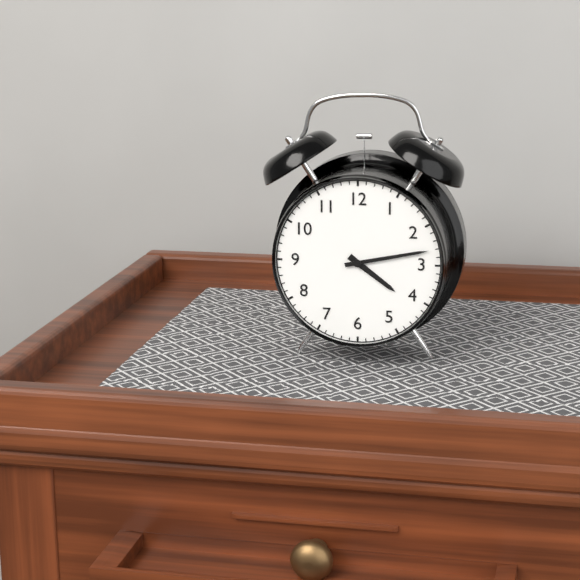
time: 4:13
